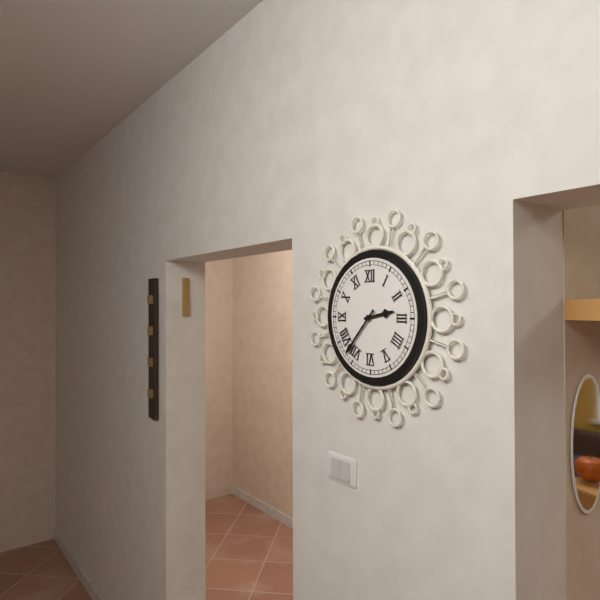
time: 2:37
